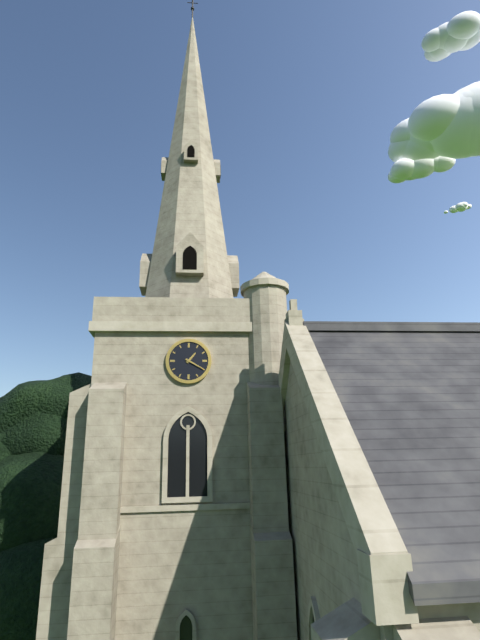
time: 1:20
